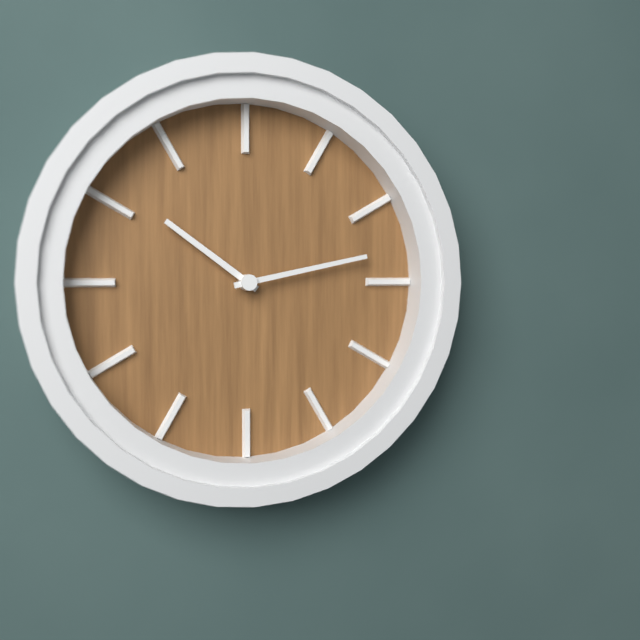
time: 10:13
